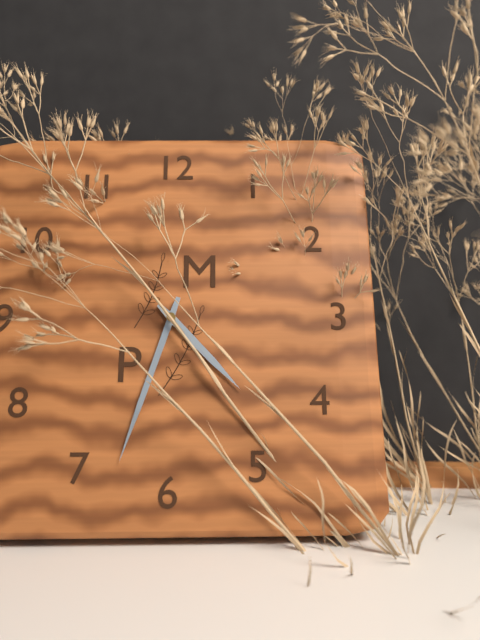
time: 4:33
